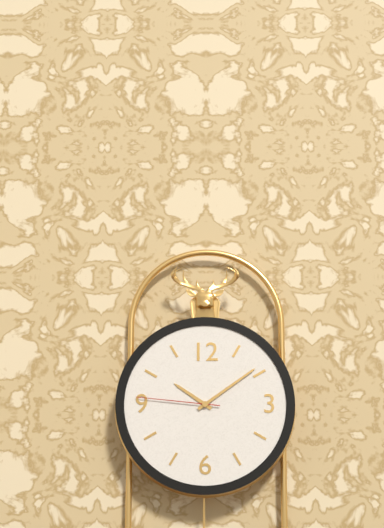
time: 10:09:46
